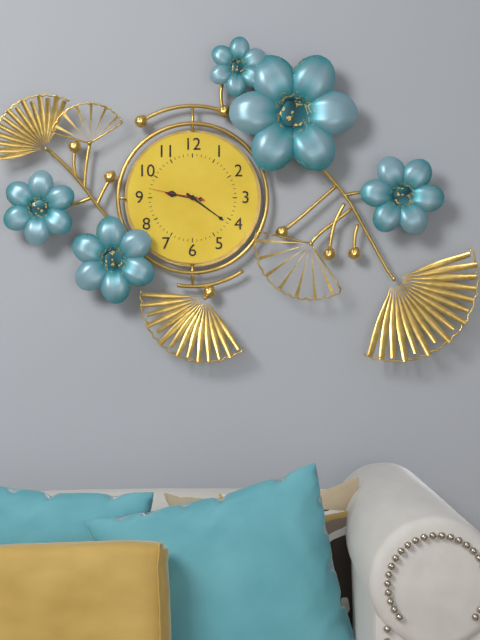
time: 9:21:47
